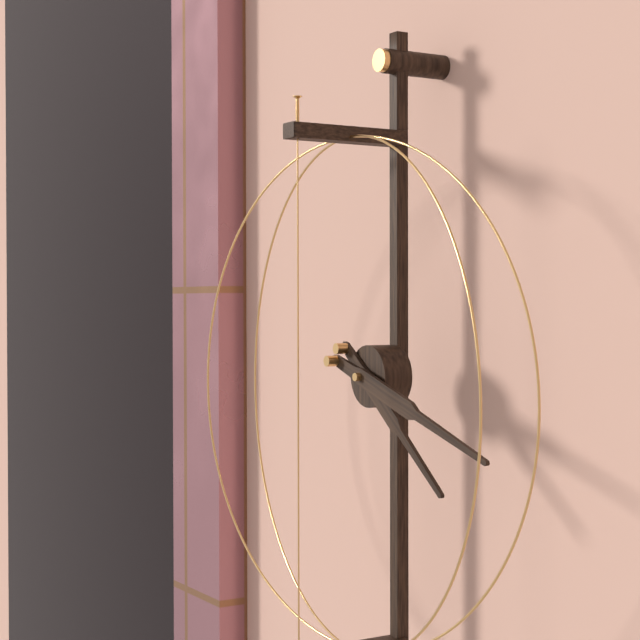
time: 4:18
